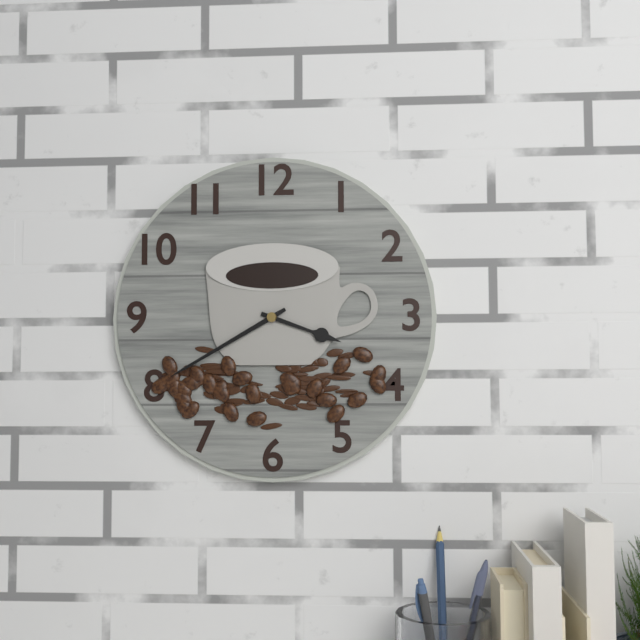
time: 3:40
